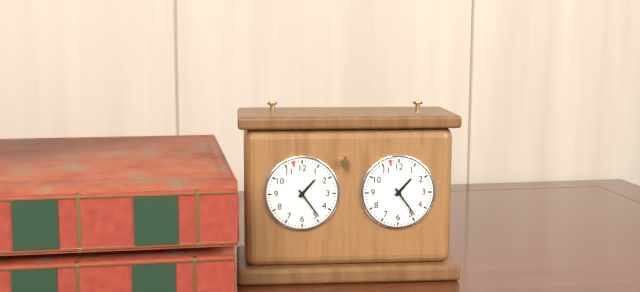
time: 1:24
